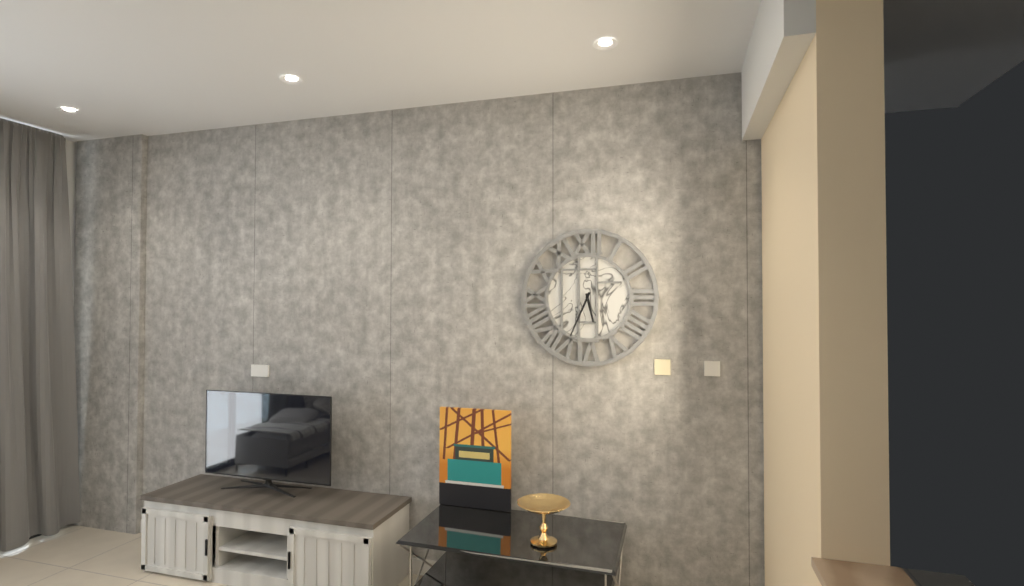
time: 5:34
